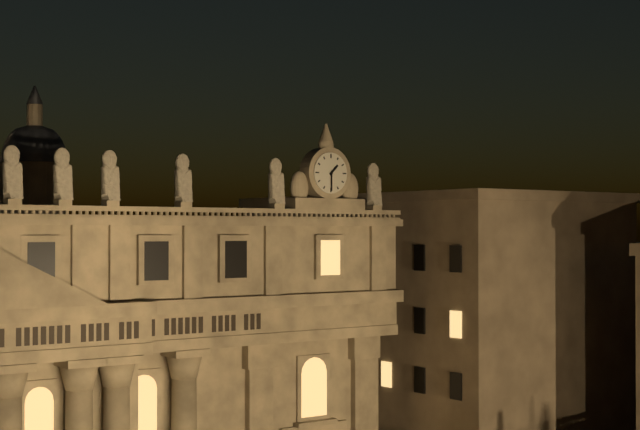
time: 1:30
